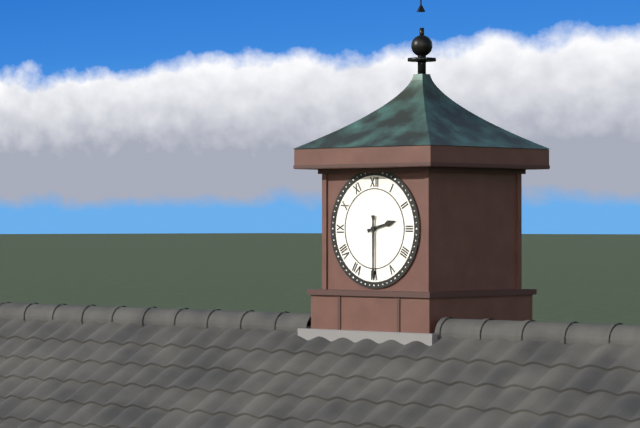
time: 2:30
